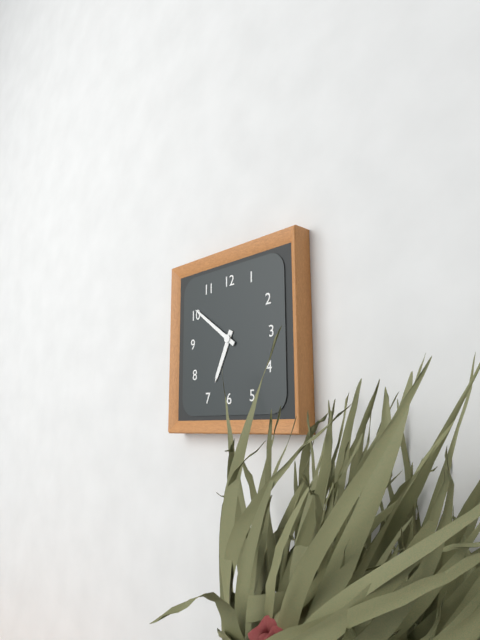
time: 6:51
